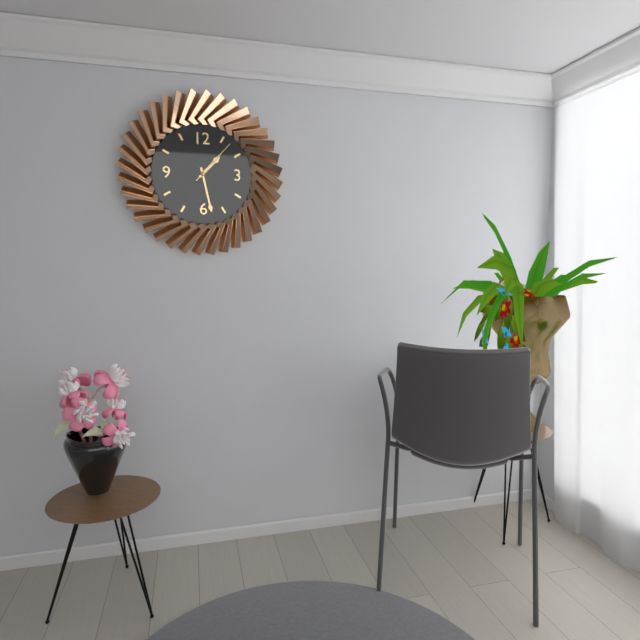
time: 1:28:07
